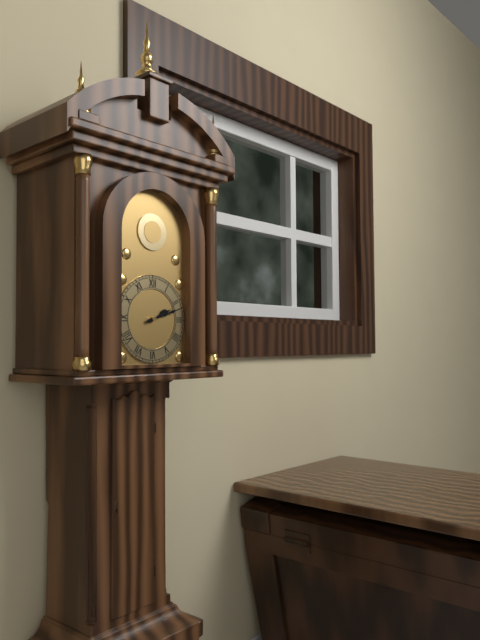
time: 2:12
